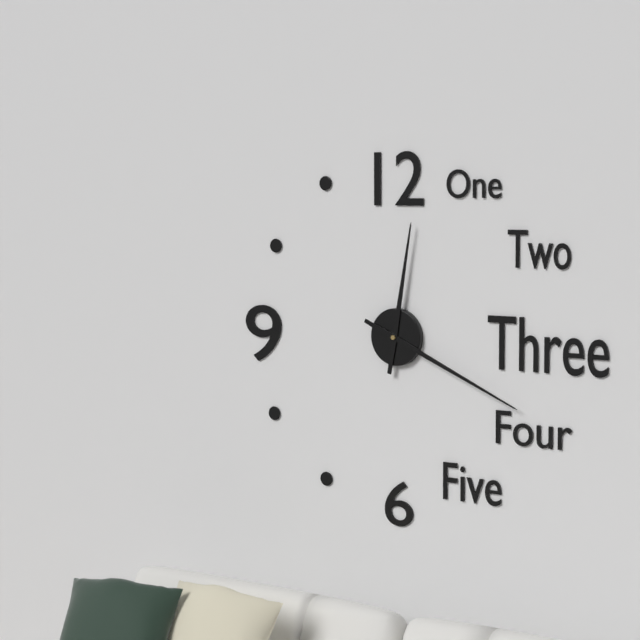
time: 12:19
